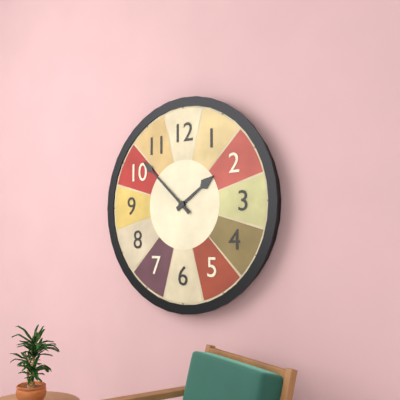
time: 1:52
